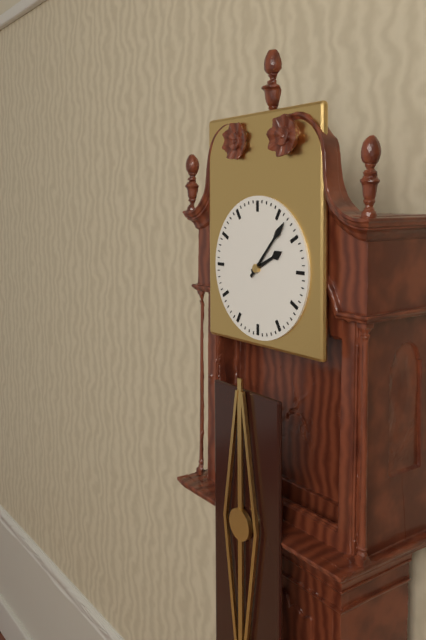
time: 2:07
